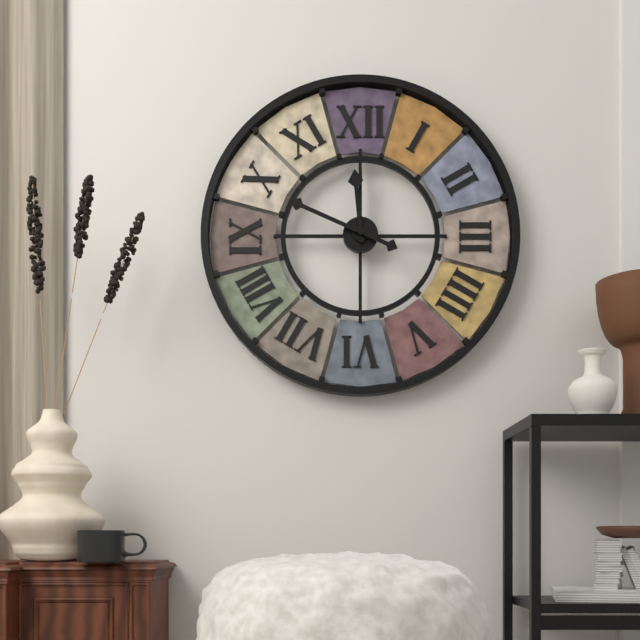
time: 11:49
